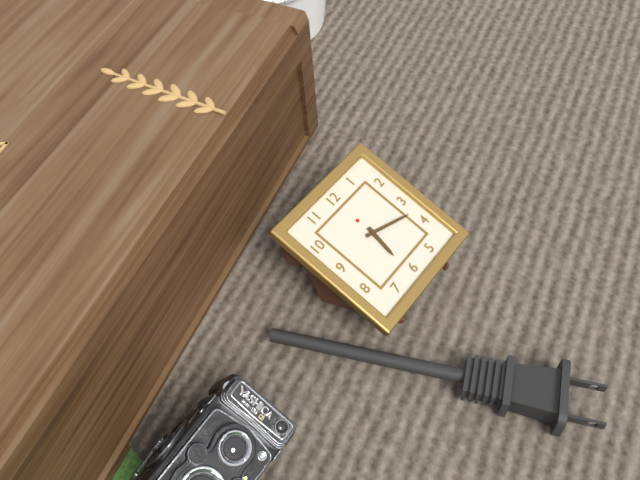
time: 6:18
